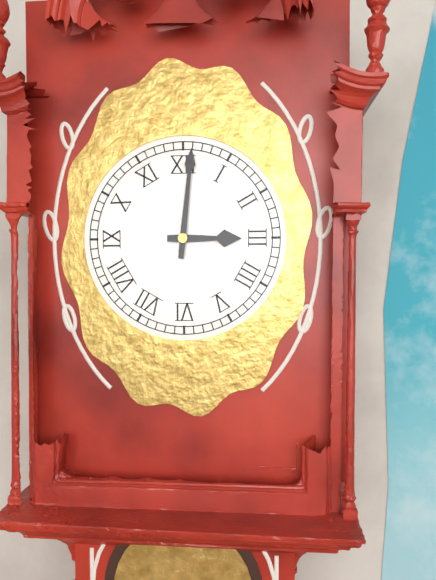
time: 3:01
